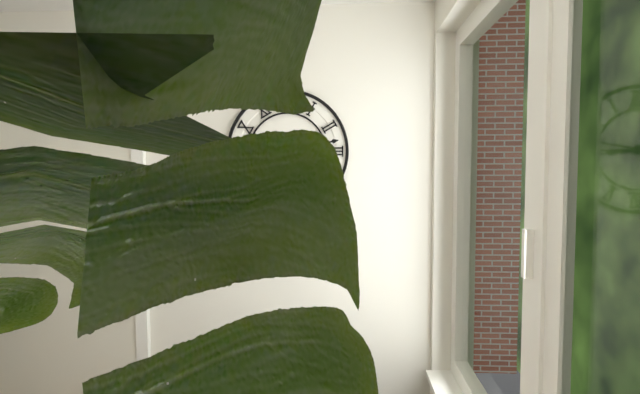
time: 3:13
